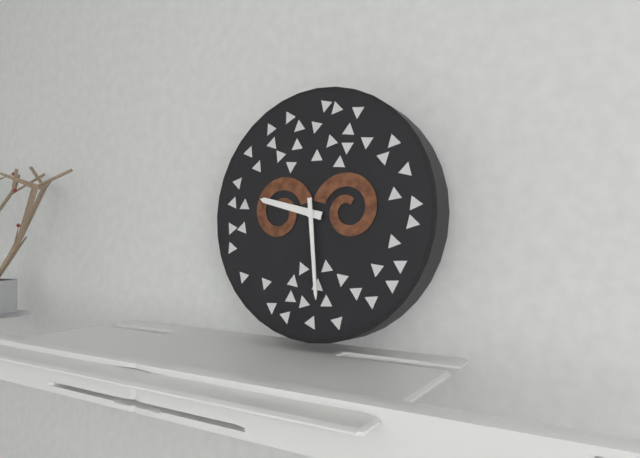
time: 9:29
